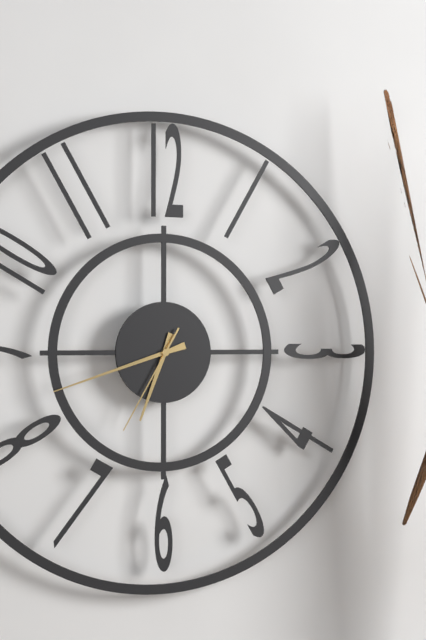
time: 6:42:35
